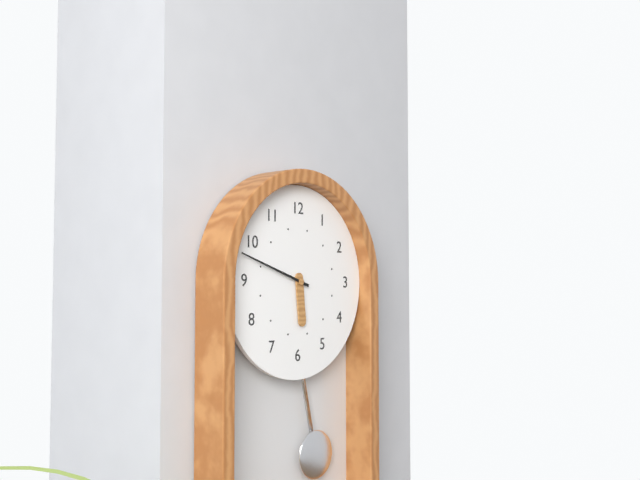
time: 5:48
